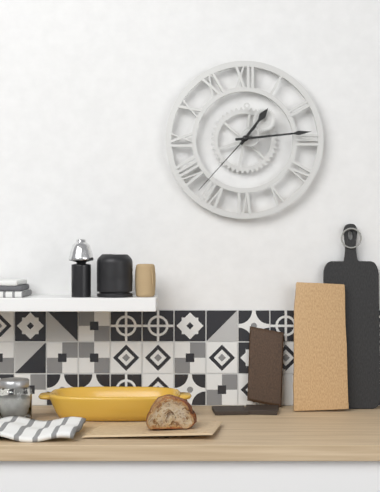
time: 1:14:37
